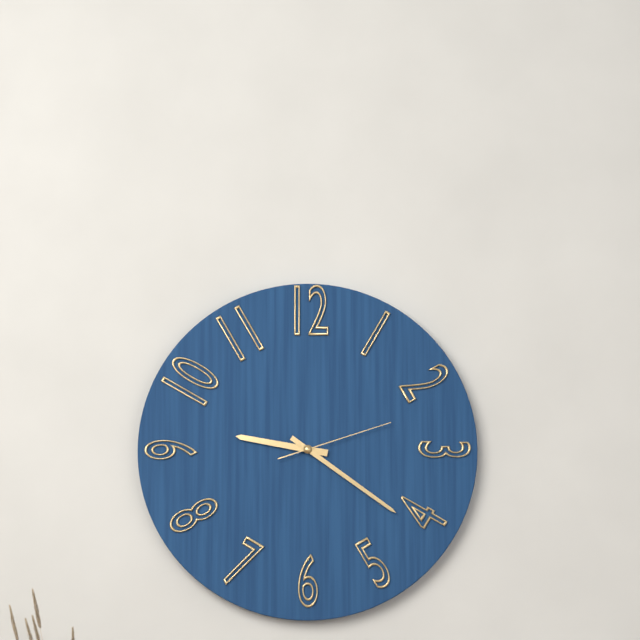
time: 9:21:12
